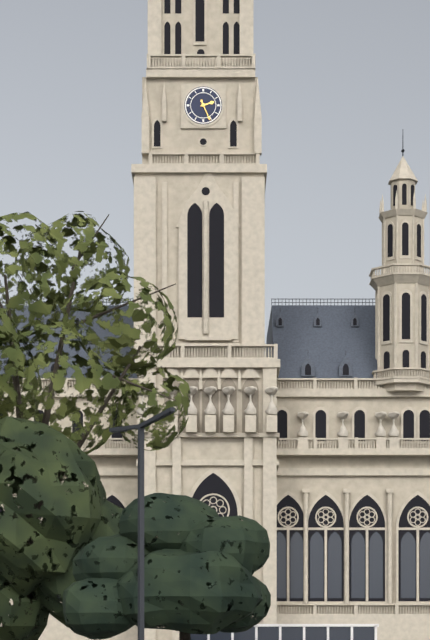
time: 2:26
